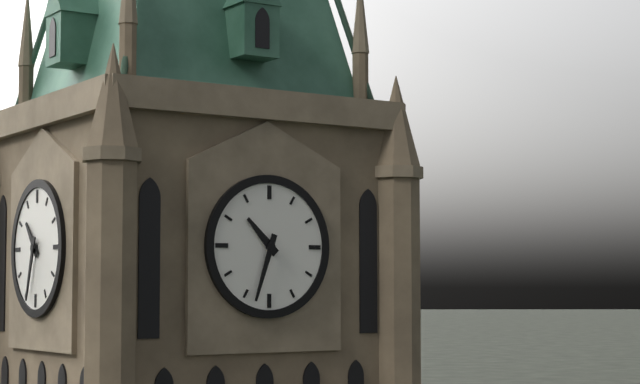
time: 10:33
